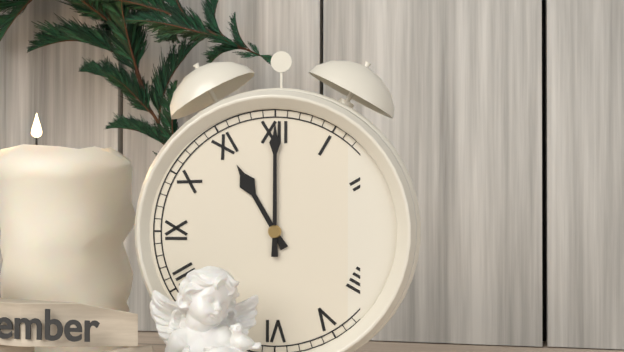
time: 11:00
